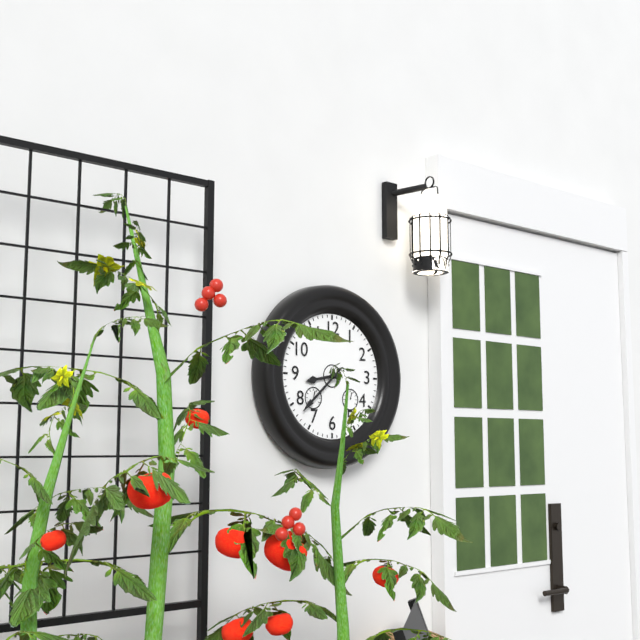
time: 8:38
